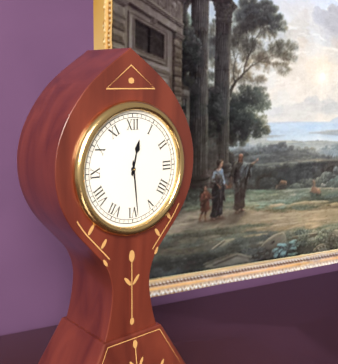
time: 12:29
